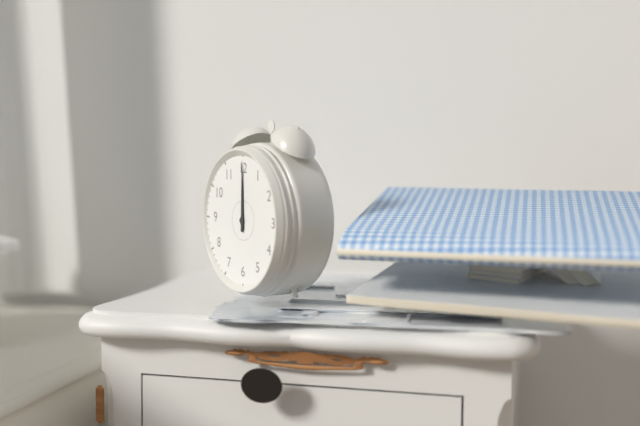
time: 12:00
